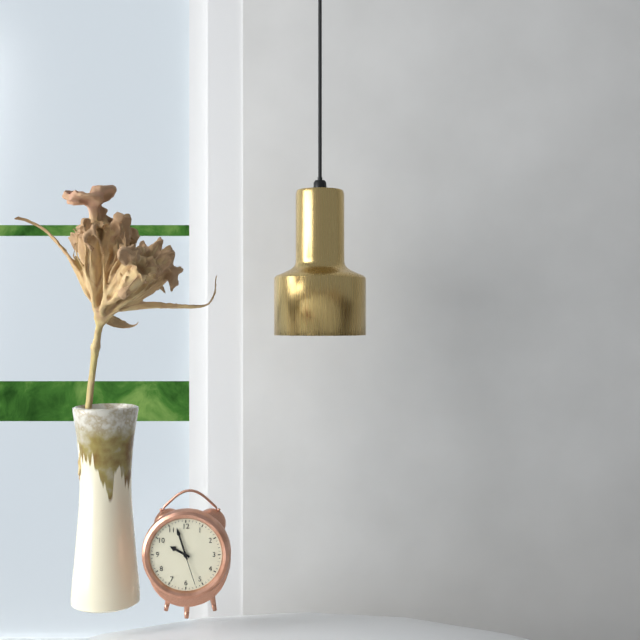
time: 9:57
